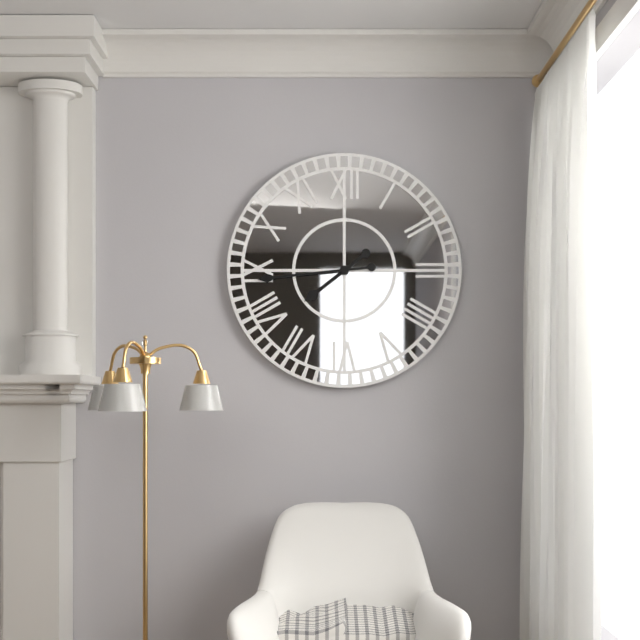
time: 7:44
